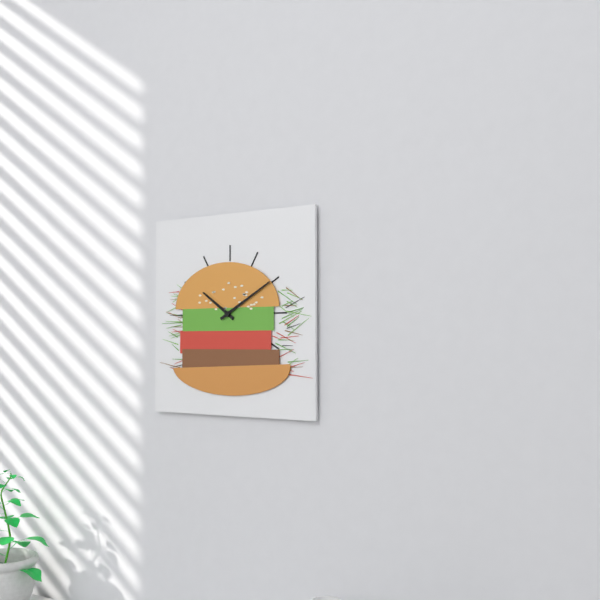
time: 10:10
